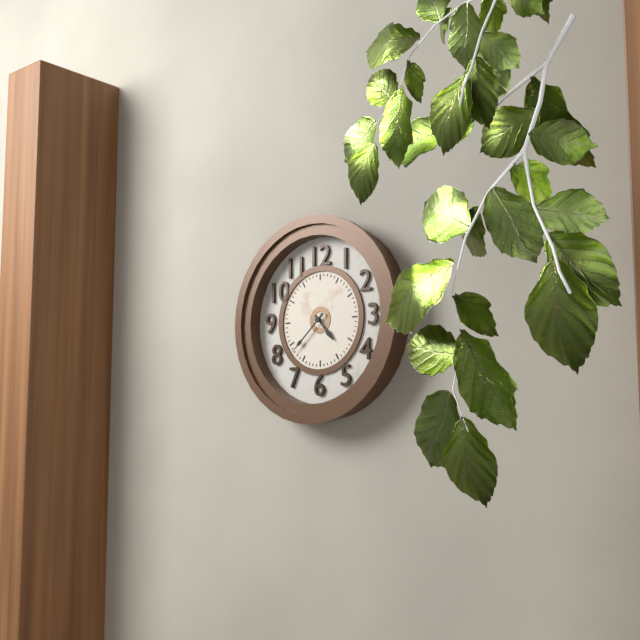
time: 4:38
